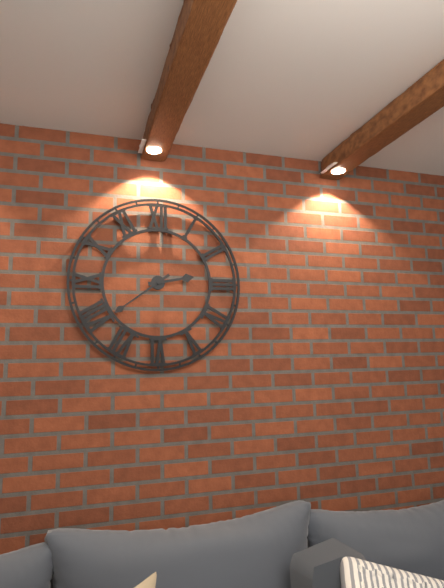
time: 2:39
